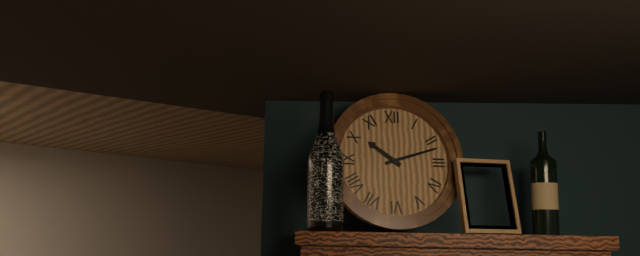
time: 10:12
